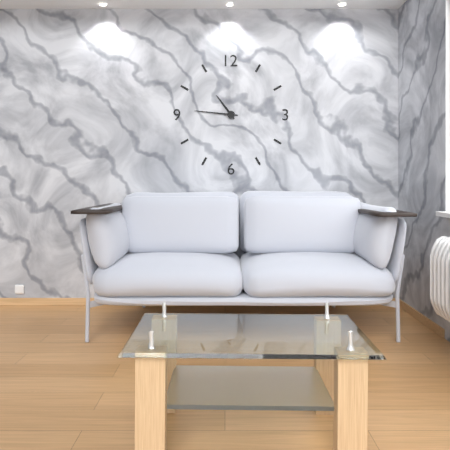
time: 10:46
